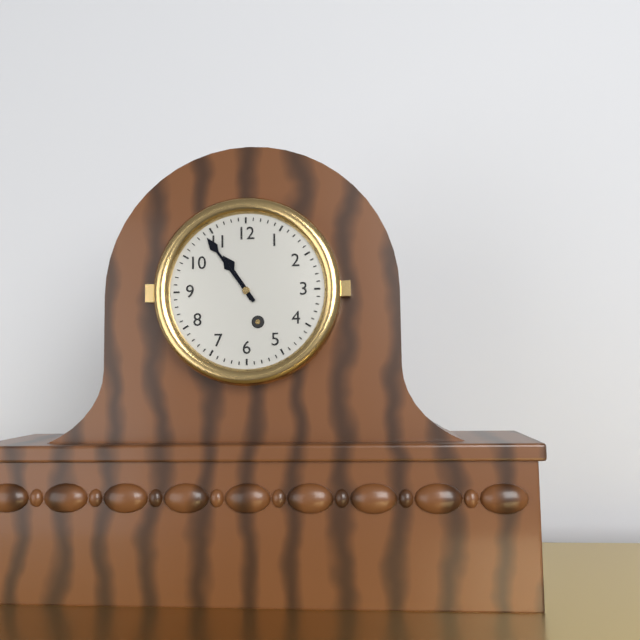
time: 10:54
